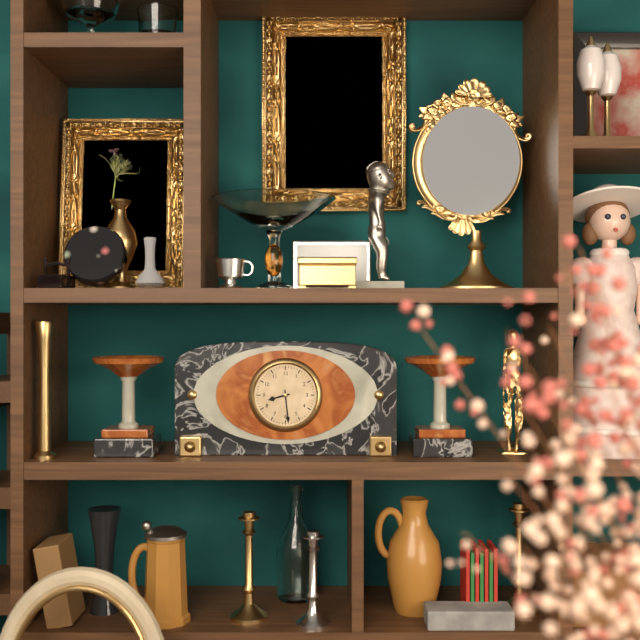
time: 8:29
